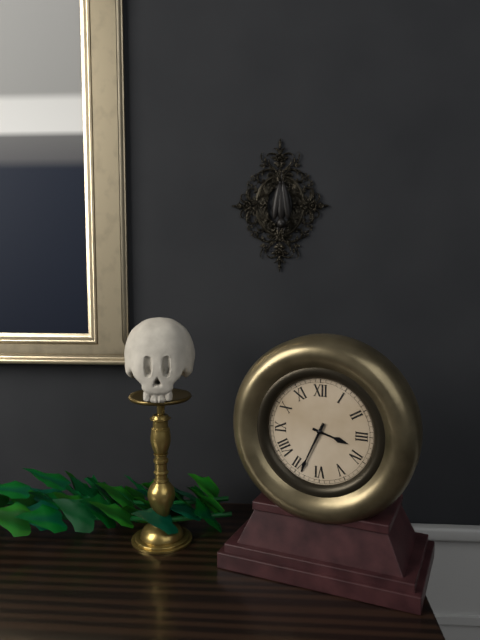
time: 3:34
